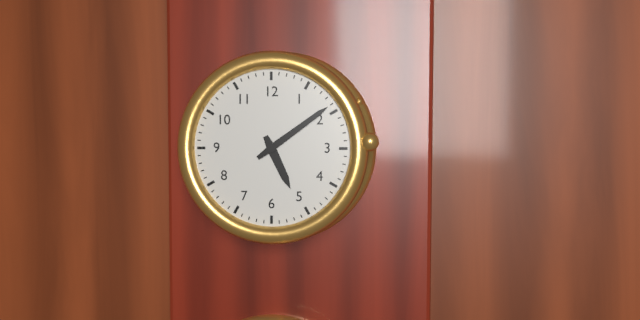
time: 5:09
